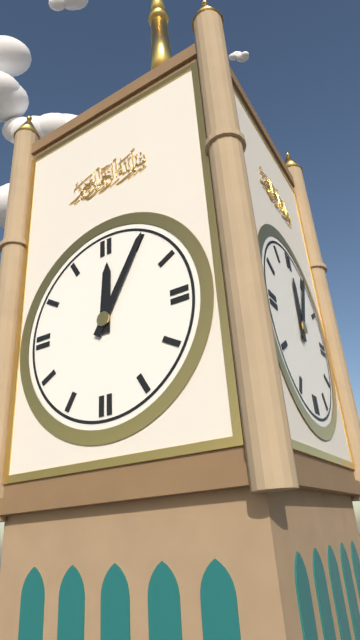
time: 12:05
